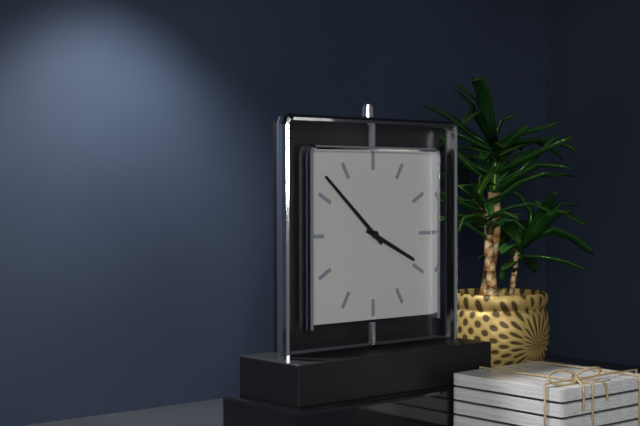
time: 3:52
